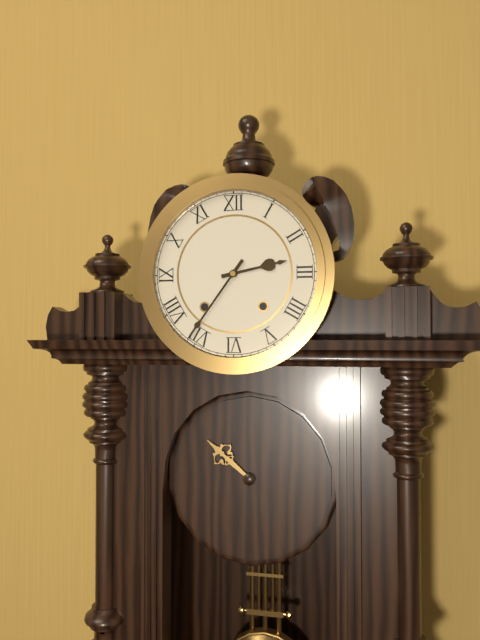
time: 2:36
